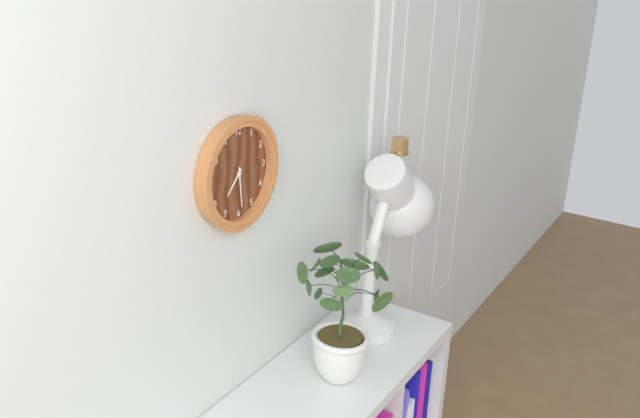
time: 7:29
